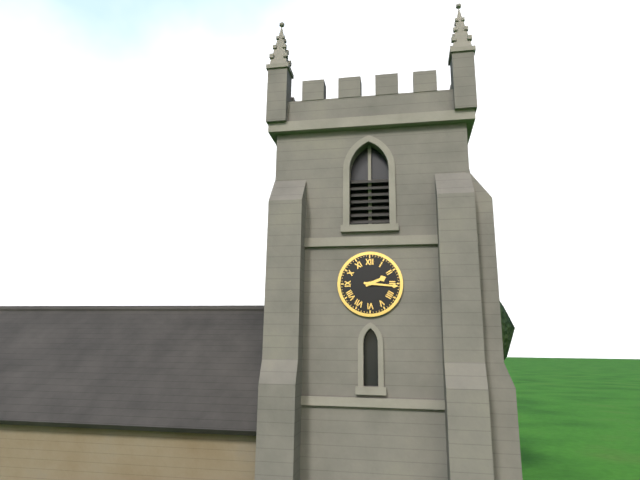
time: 2:16
